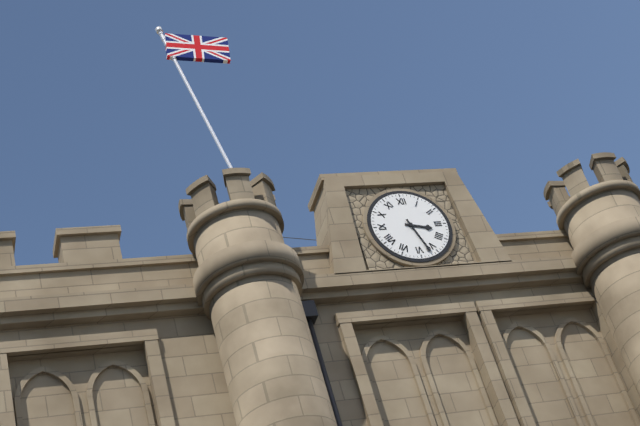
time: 3:27
